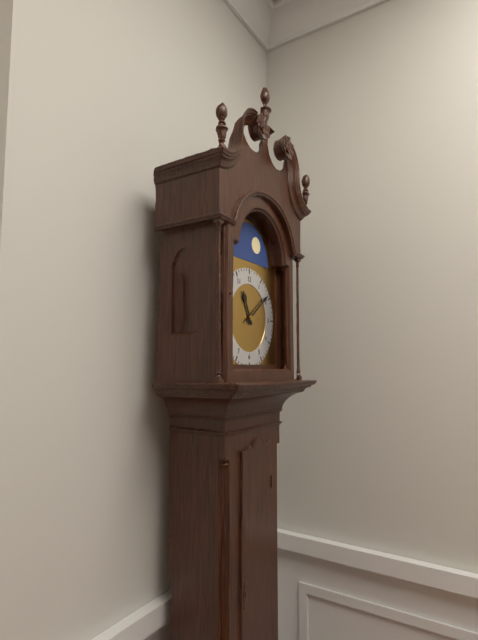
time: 11:09
